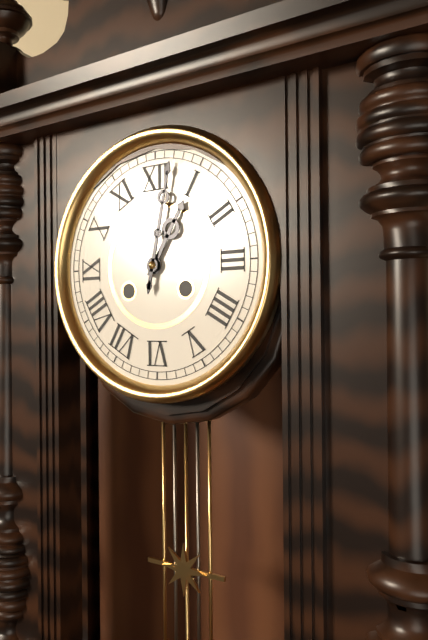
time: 1:02
